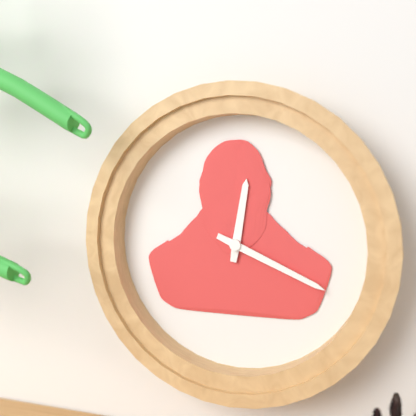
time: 12:19
